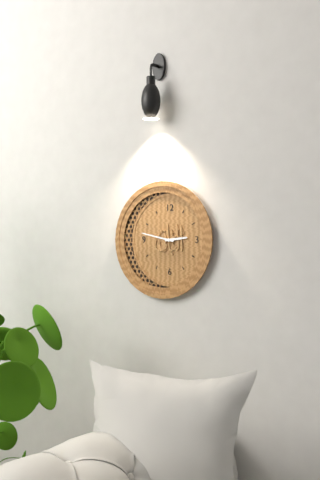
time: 2:47
